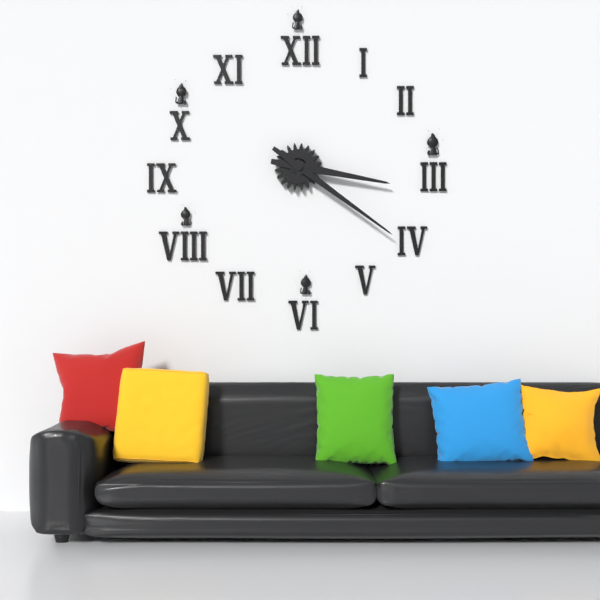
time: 3:21
